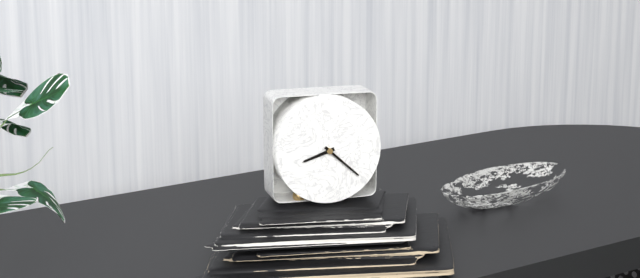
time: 8:22
